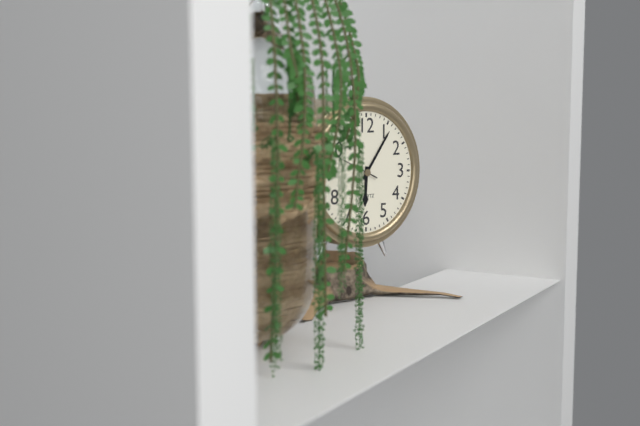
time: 6:06
